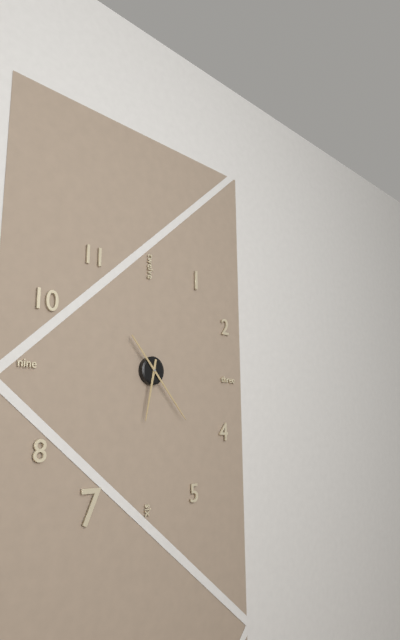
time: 6:23
